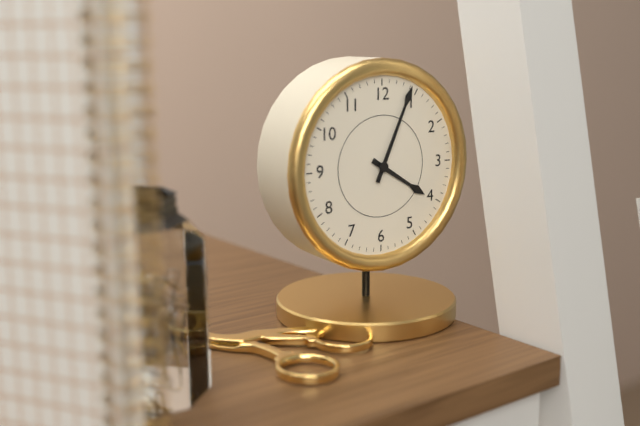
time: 4:04
